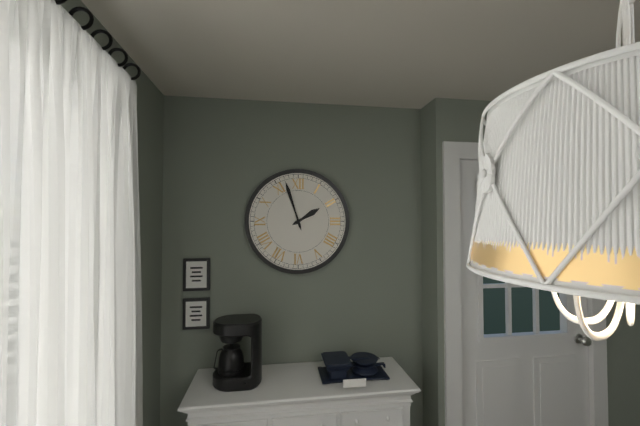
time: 1:57
